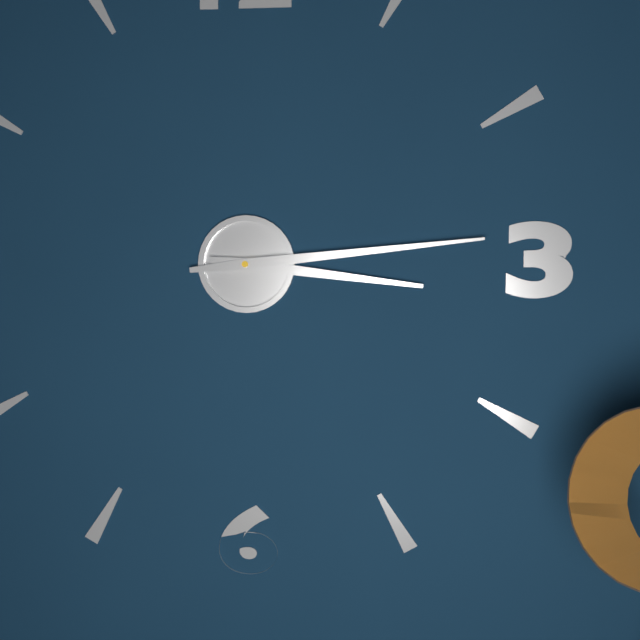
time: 3:14
